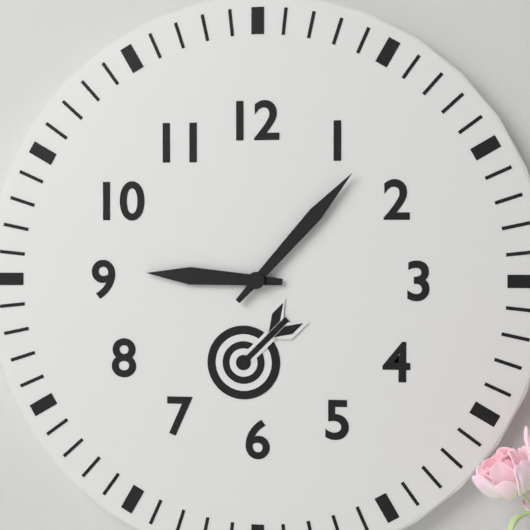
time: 9:07
